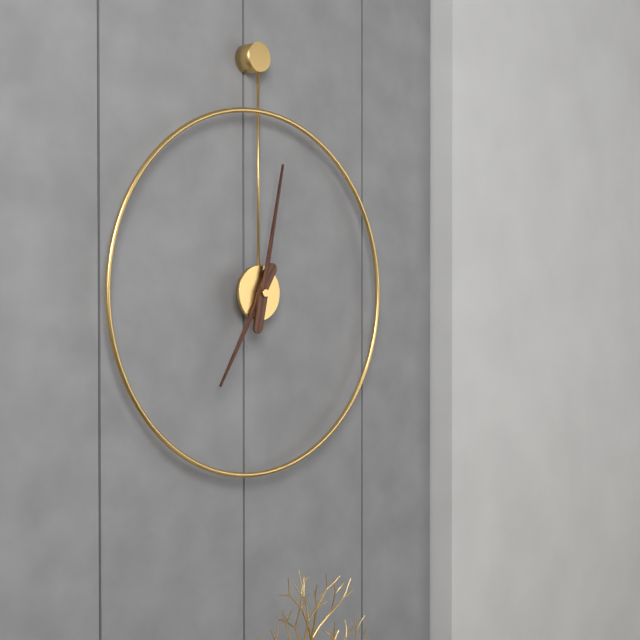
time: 7:02
